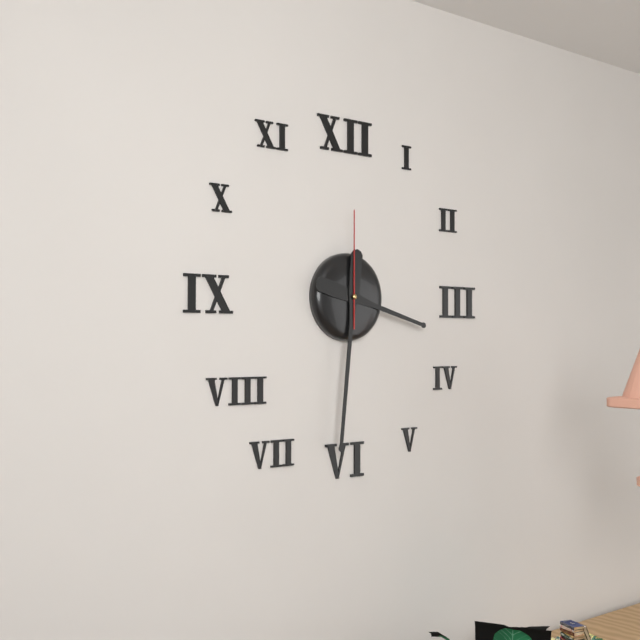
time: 3:31:00
